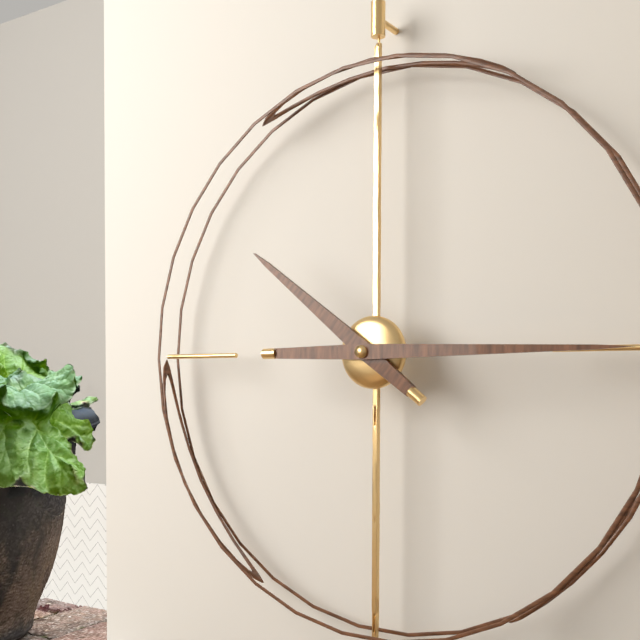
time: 10:15
